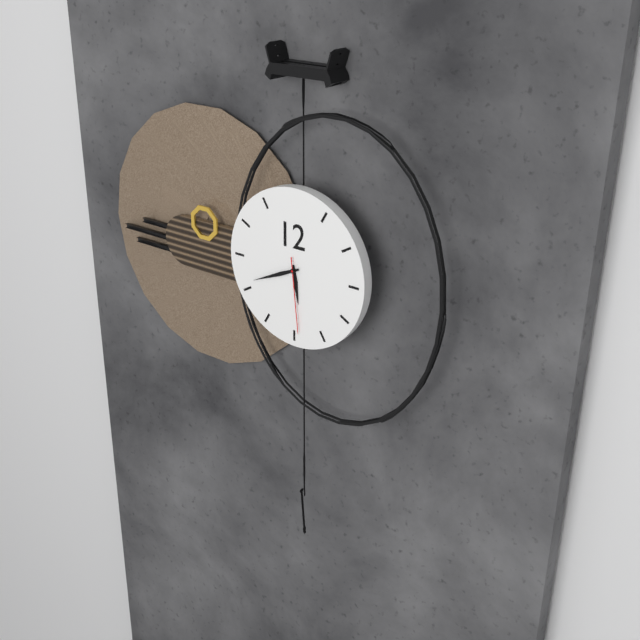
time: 5:41:29
